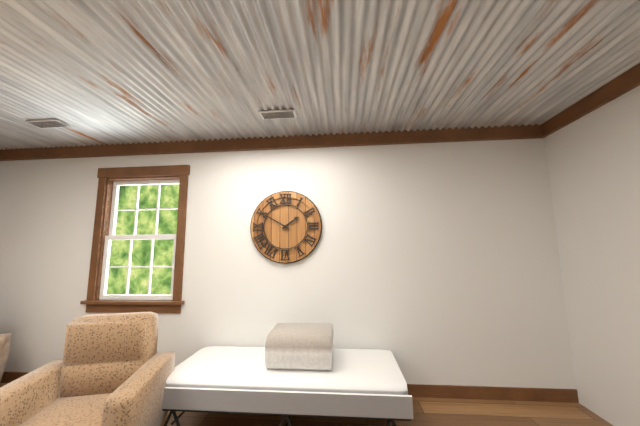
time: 1:50
